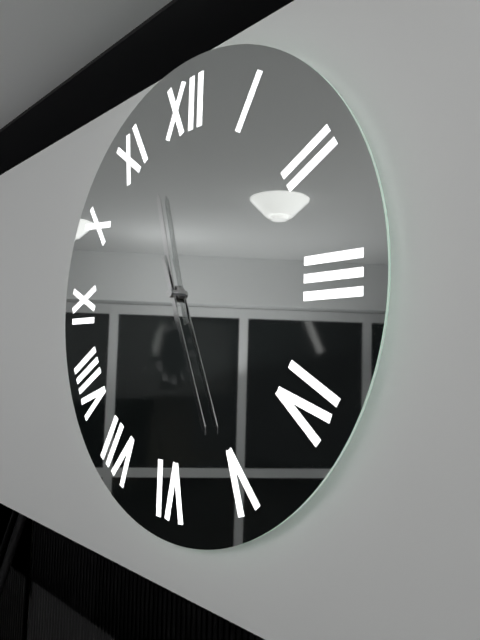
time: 11:26
